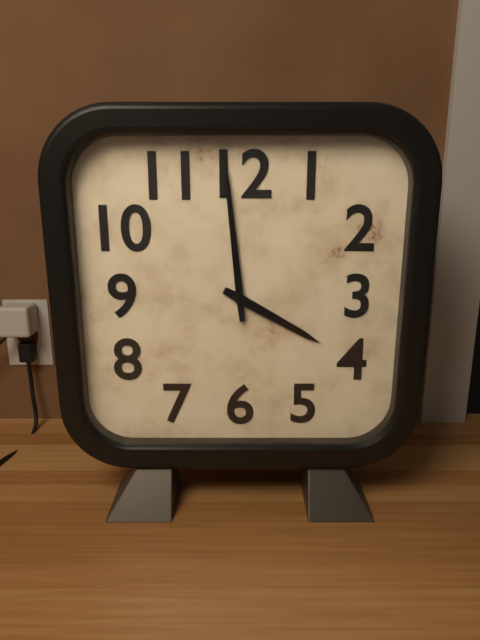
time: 3:59
